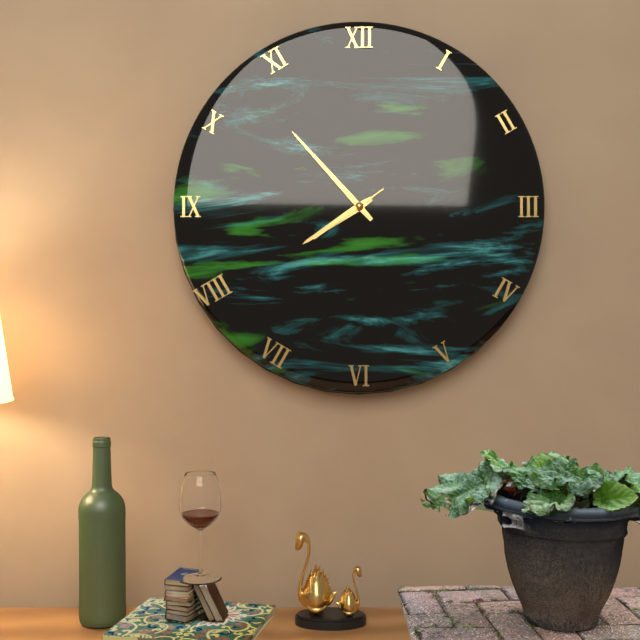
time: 7:53:39
